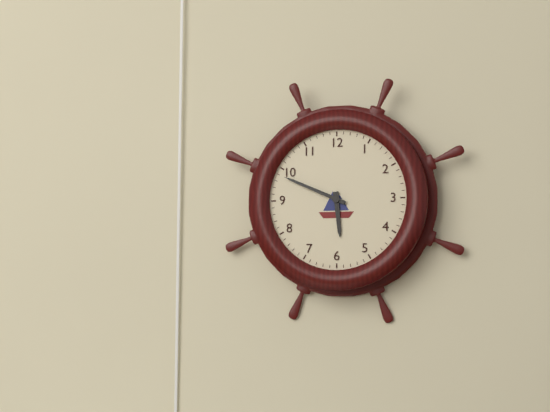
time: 5:49
